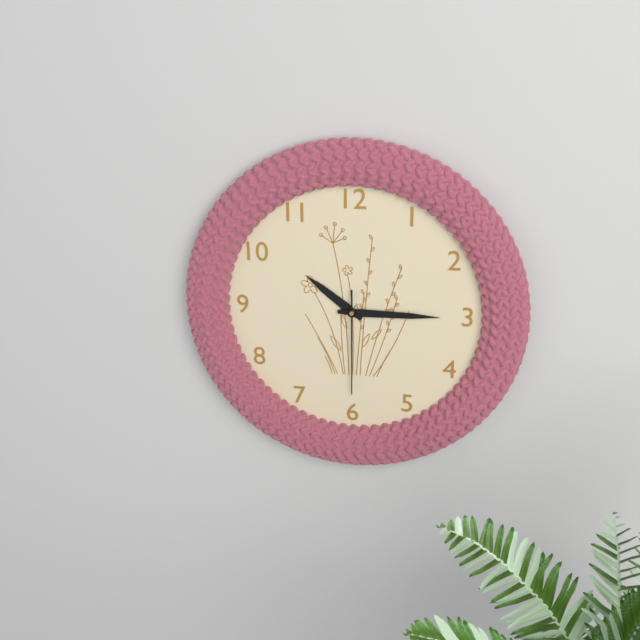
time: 10:15:30
